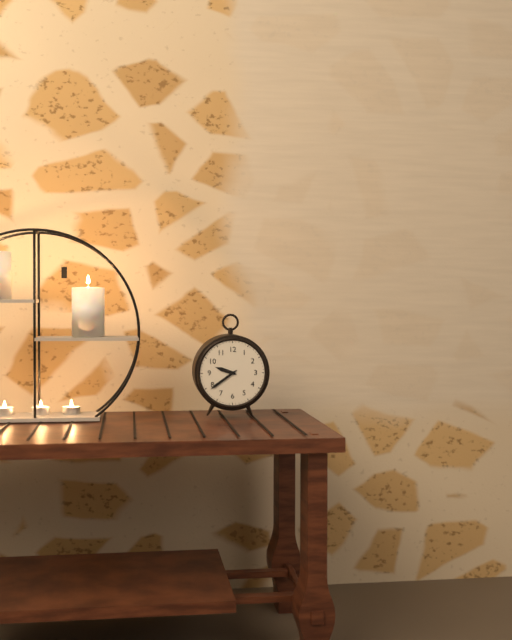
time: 9:39
